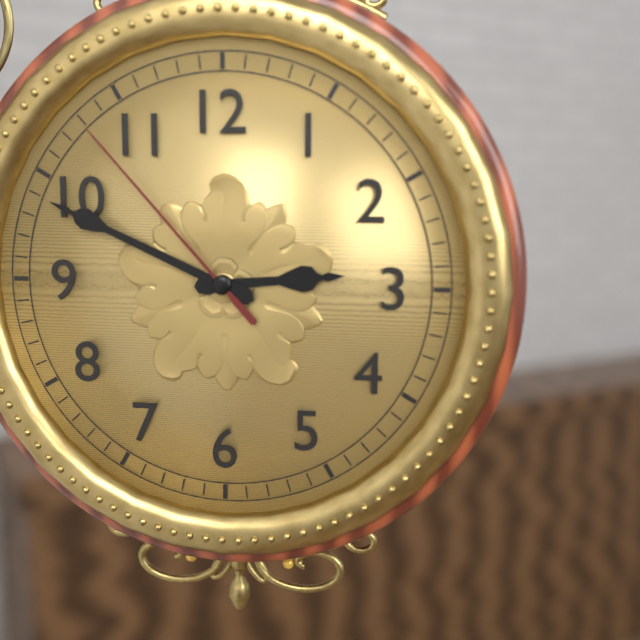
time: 2:49:53
